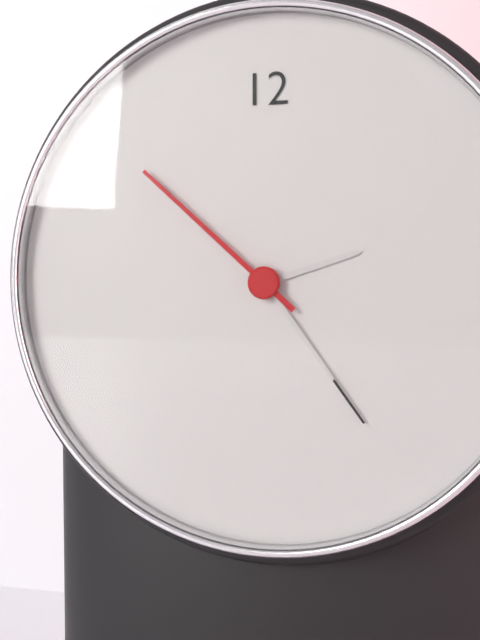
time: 2:24:52
